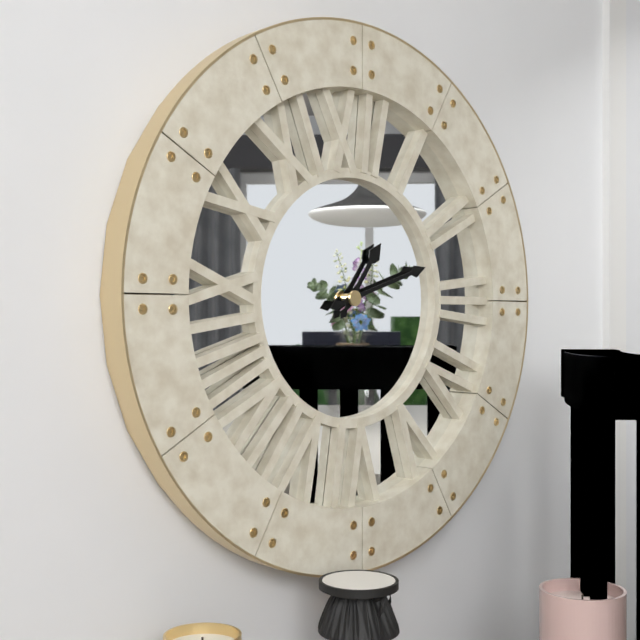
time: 1:12
